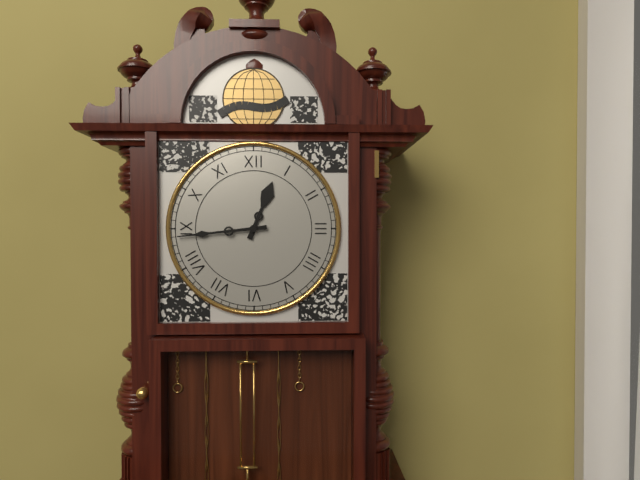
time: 12:44
